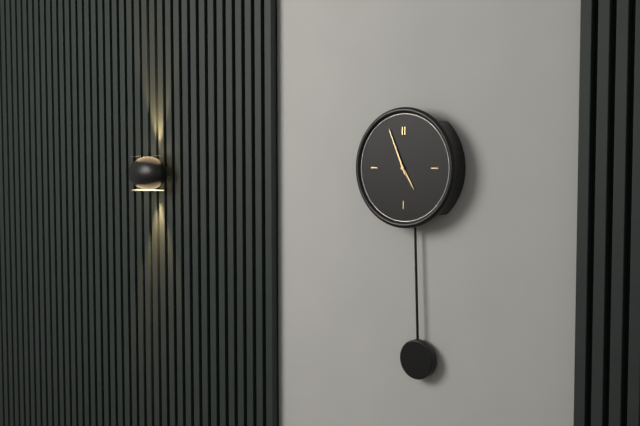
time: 4:56
